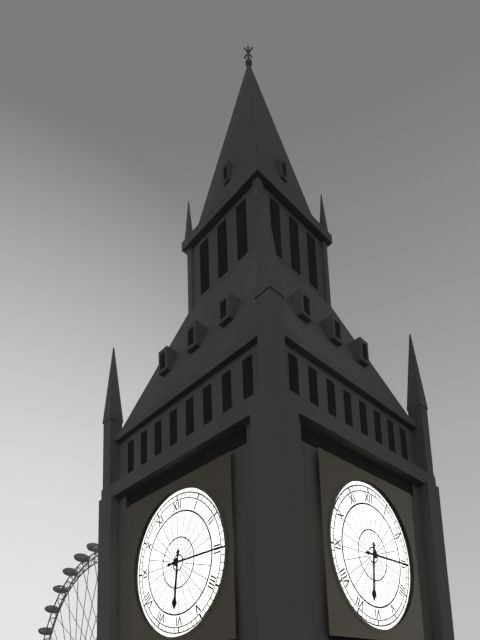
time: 6:15
